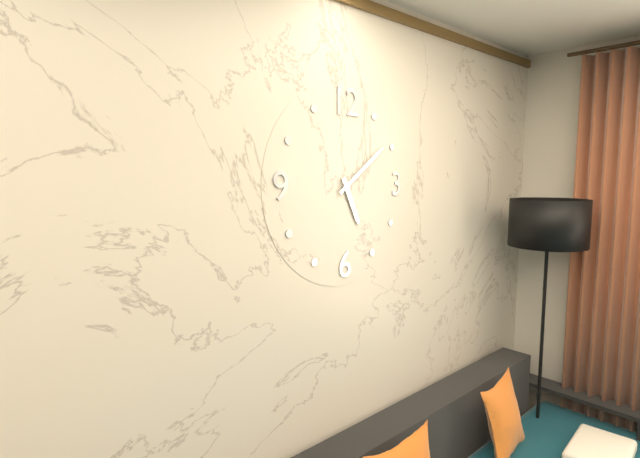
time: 5:09
